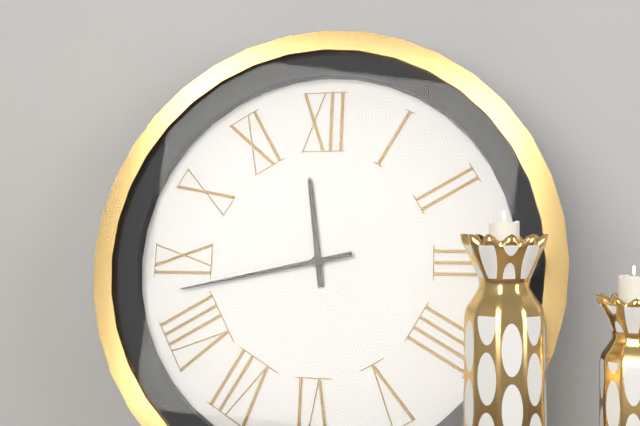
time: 11:43
